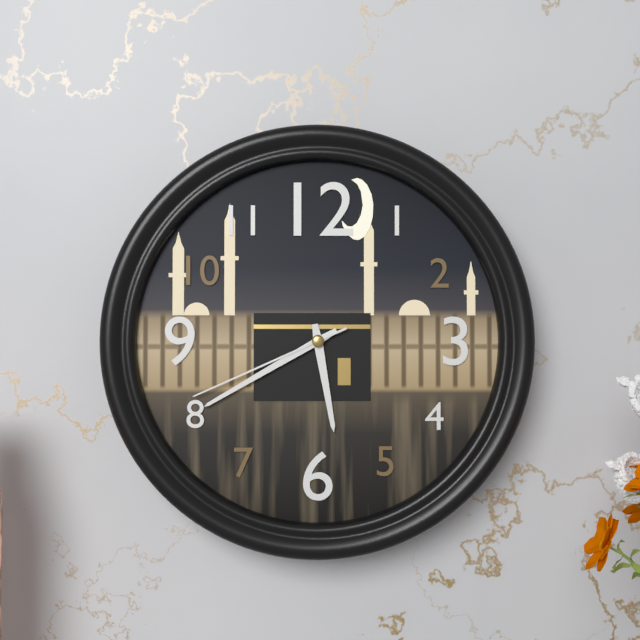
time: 5:40:41
